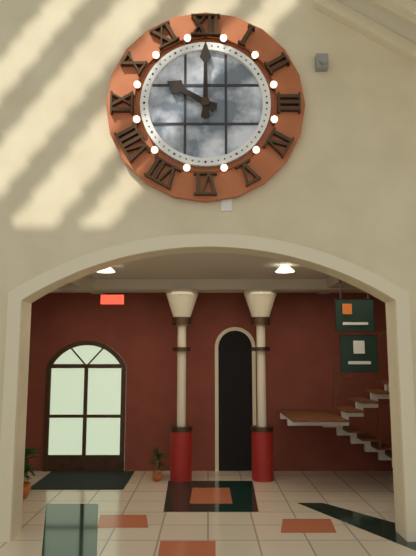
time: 10:00
